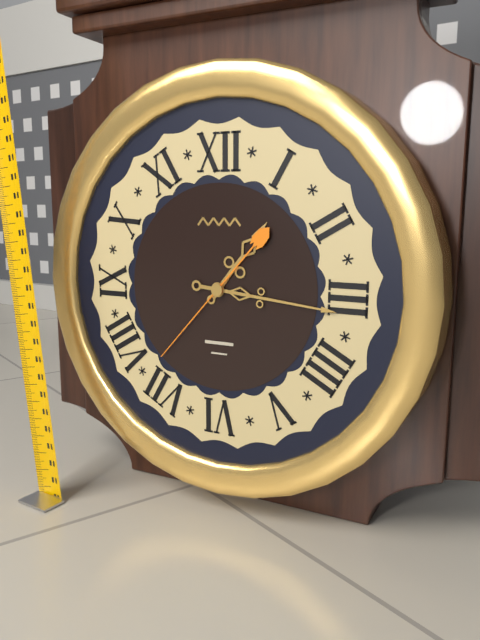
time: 1:16:37
